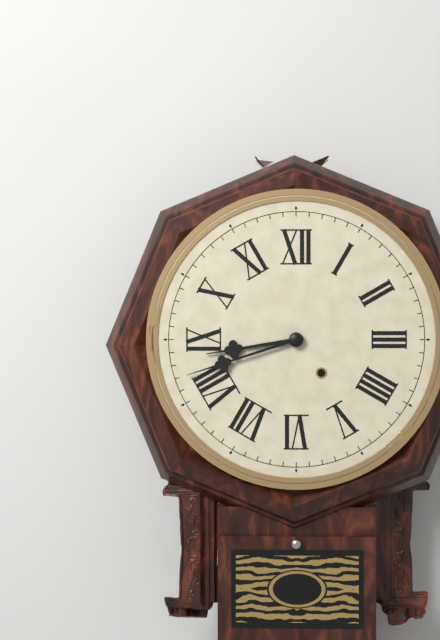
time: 8:42
